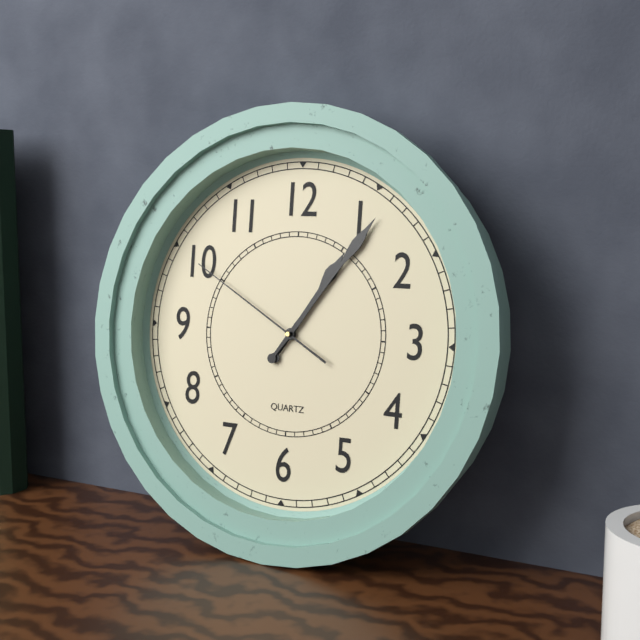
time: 1:06:50
